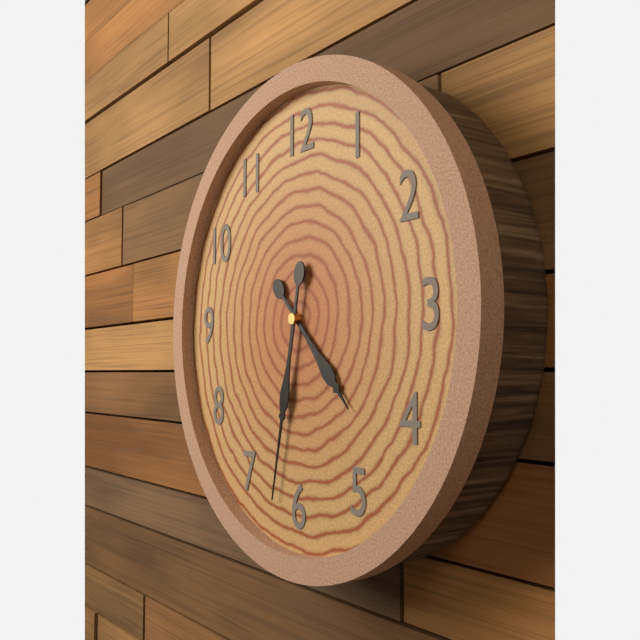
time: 4:32
